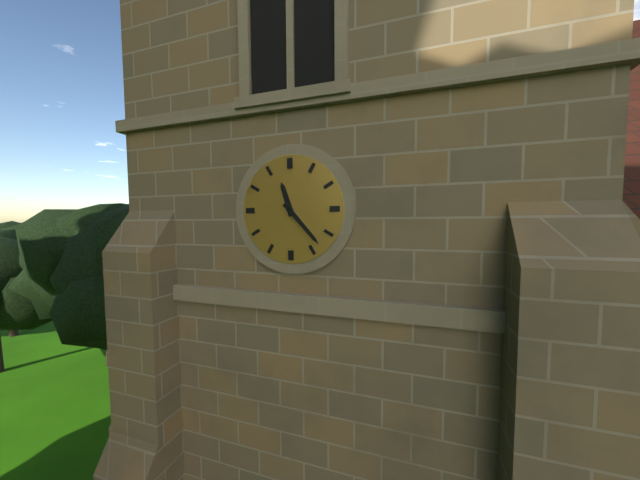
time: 11:23
